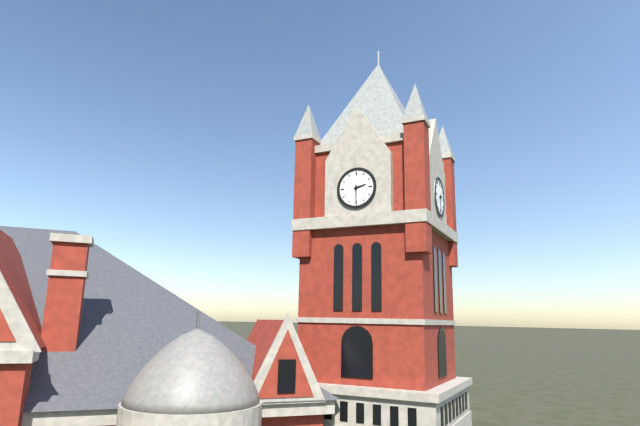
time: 2:30
